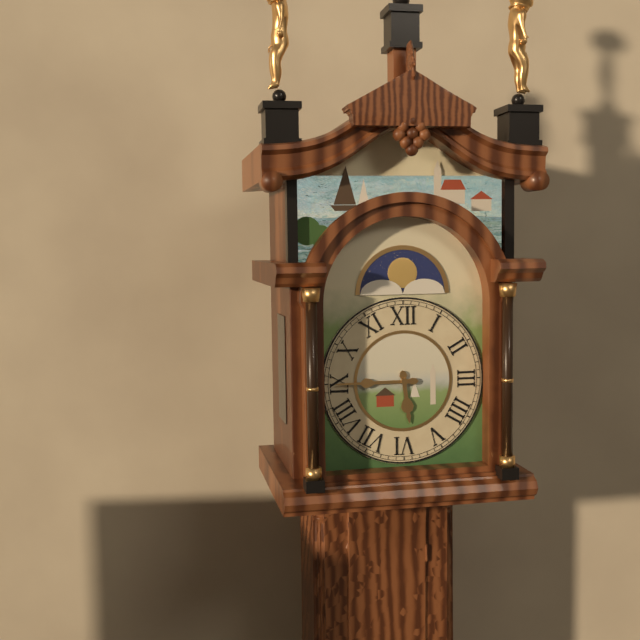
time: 5:45
